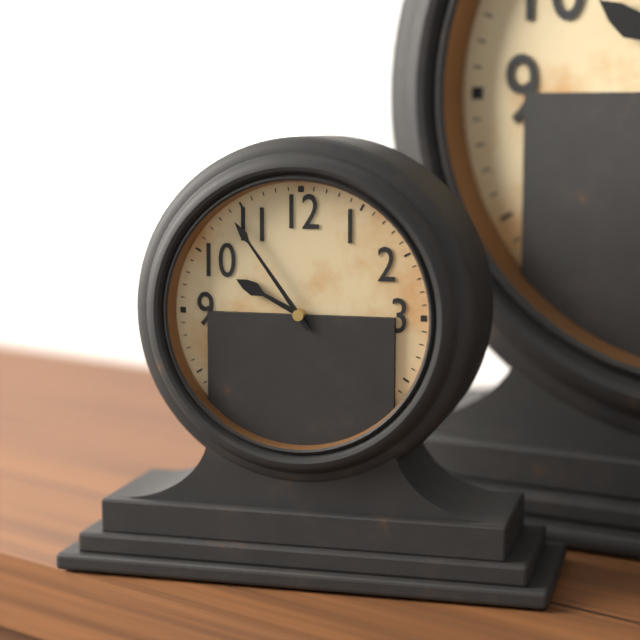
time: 9:54
